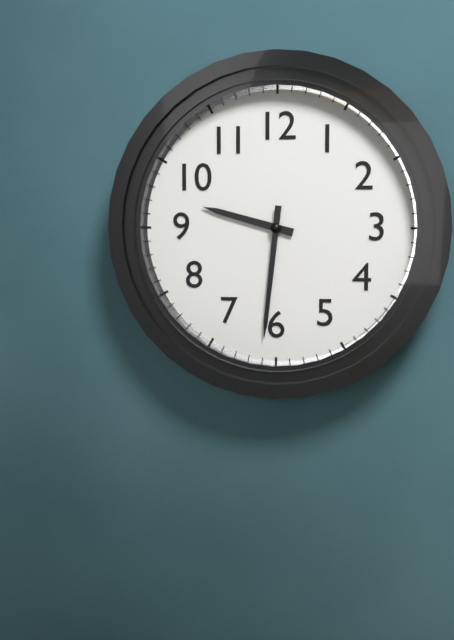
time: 9:31
